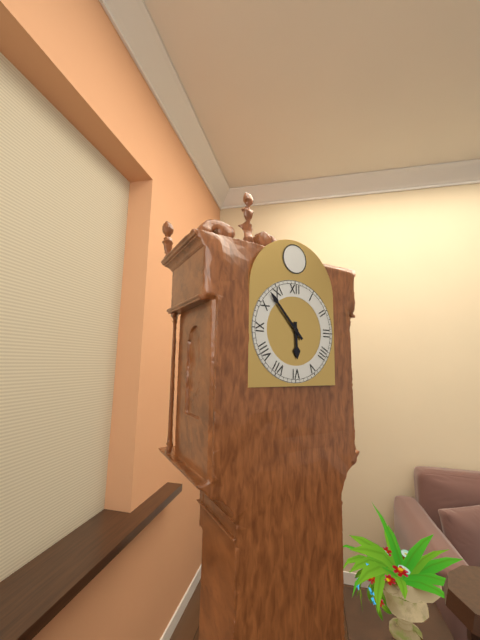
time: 5:53
